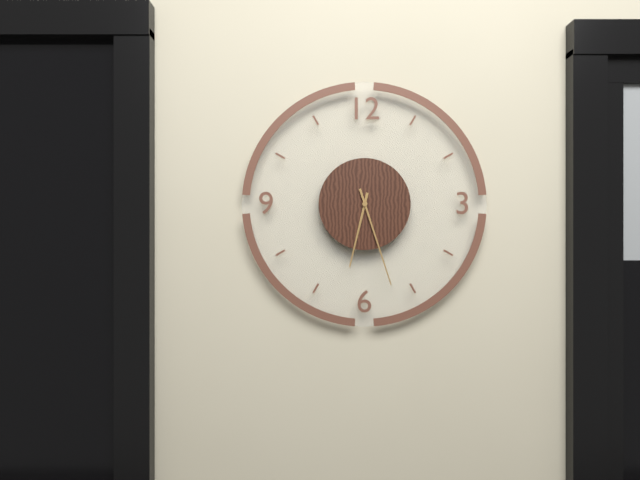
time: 6:27
